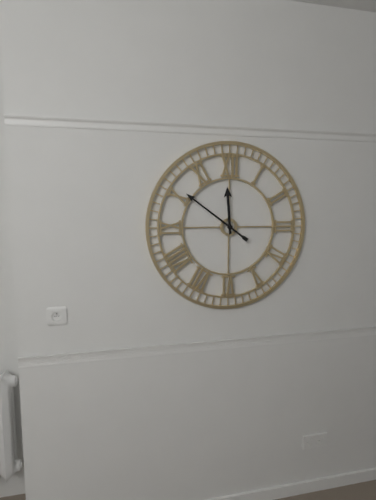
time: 11:51
